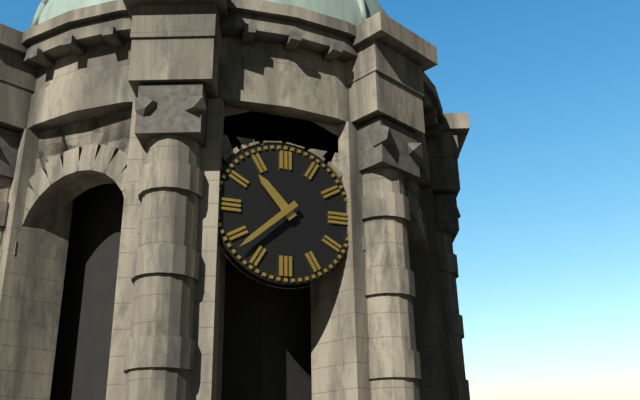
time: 10:38
